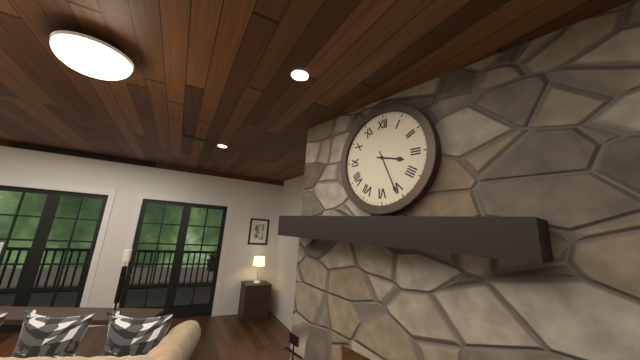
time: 3:26
